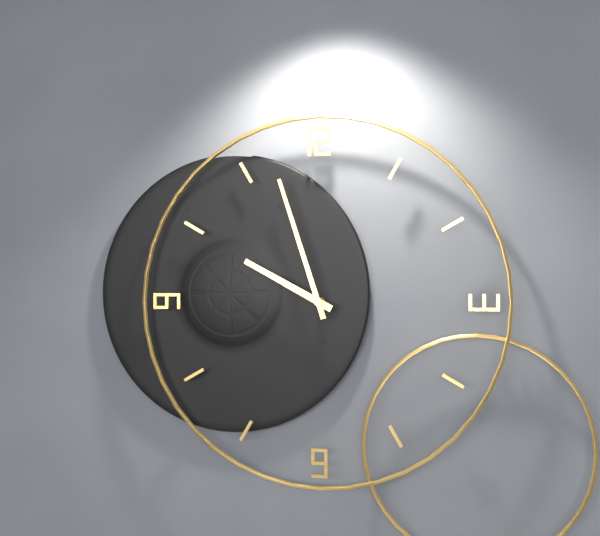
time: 9:57
